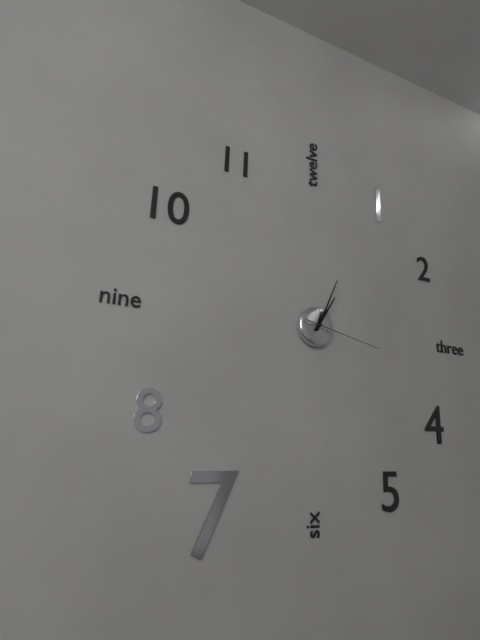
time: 1:04:17
